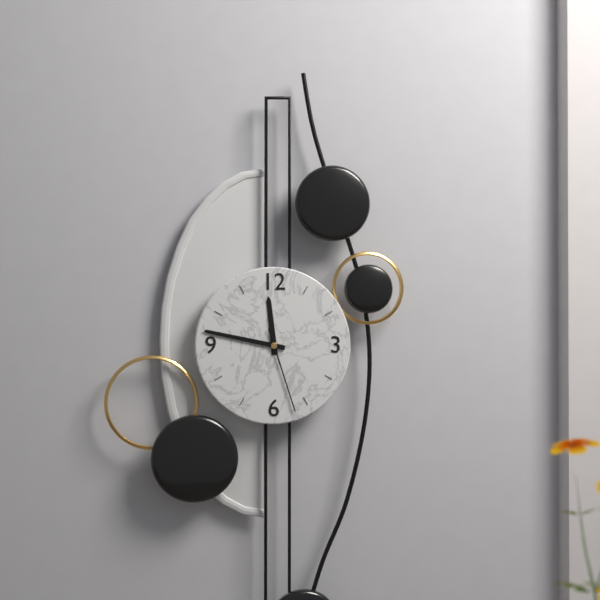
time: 11:47:27
